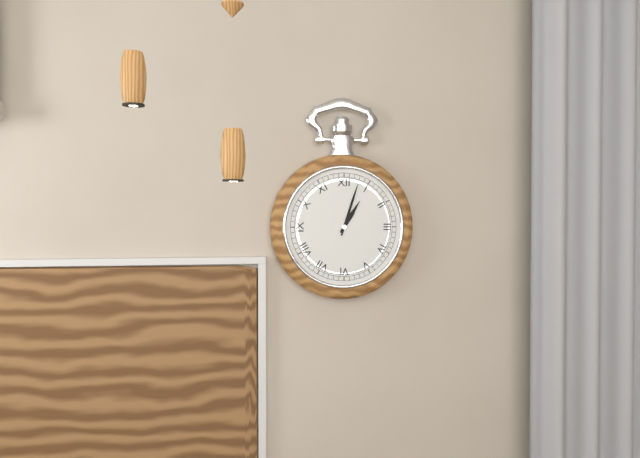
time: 1:03
